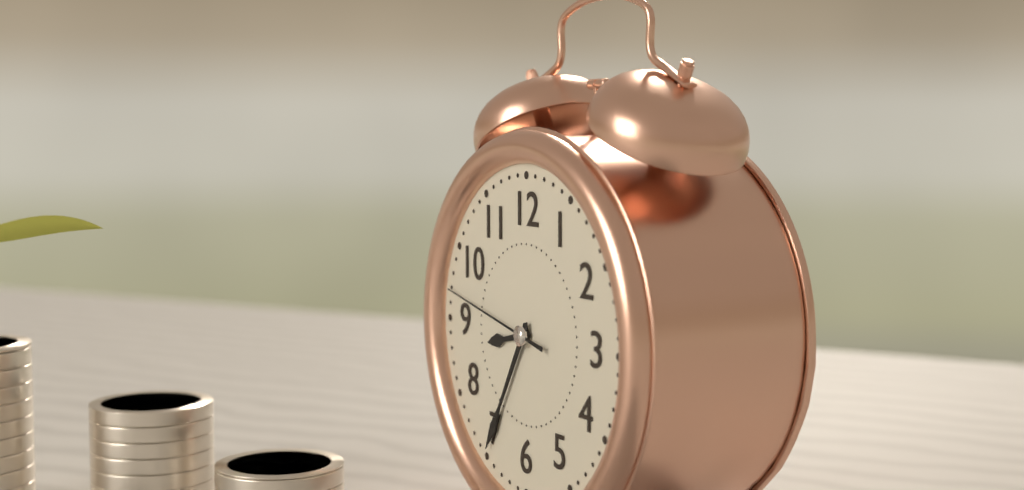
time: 8:35:47
